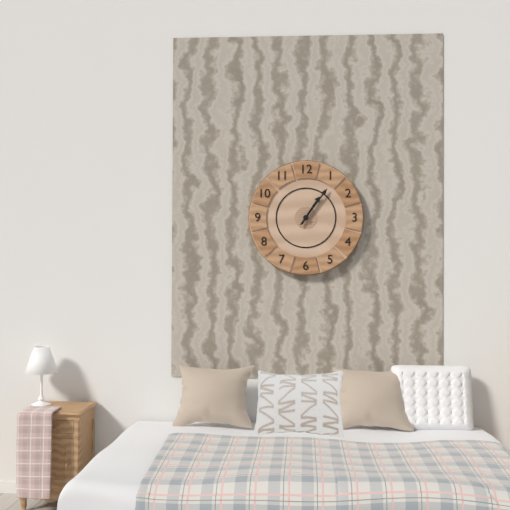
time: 1:06
